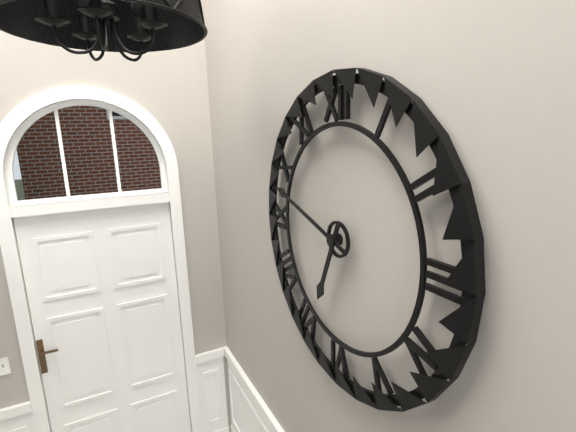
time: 6:48
